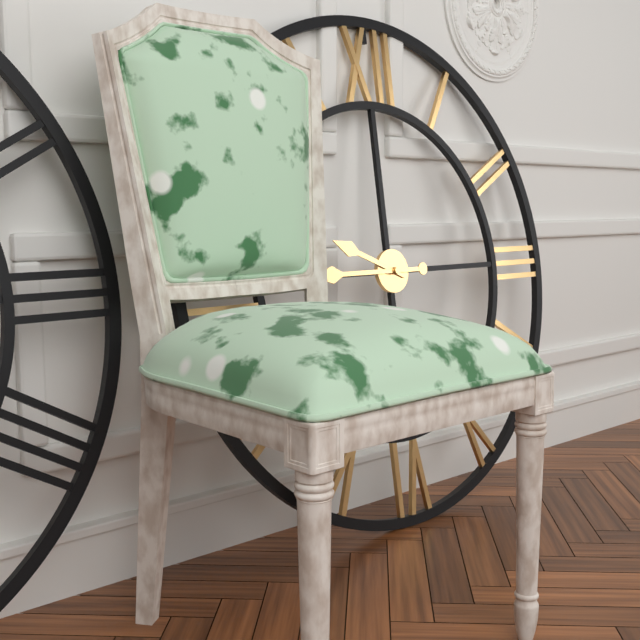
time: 9:45
